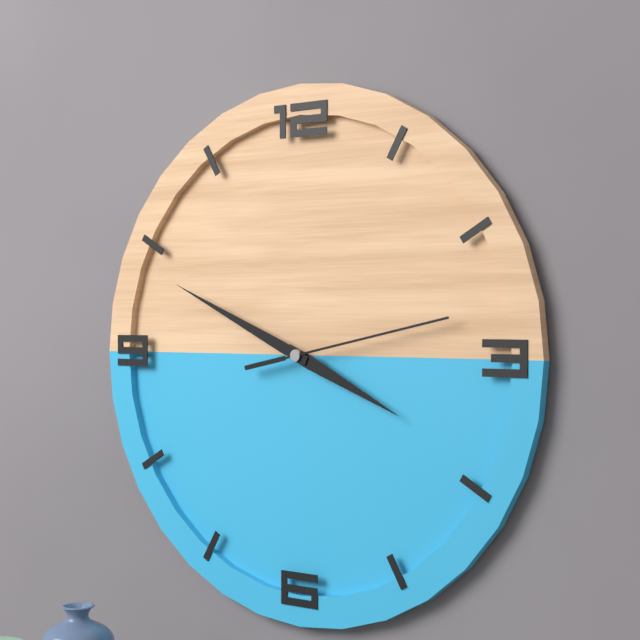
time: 3:49:13
